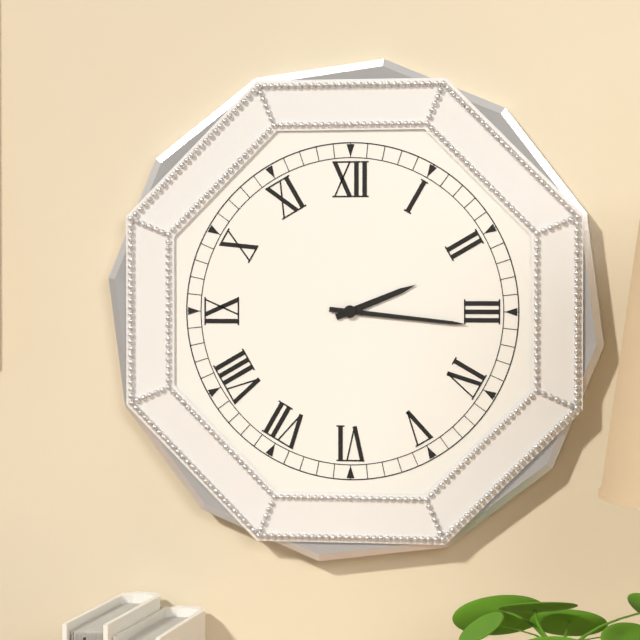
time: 2:16
